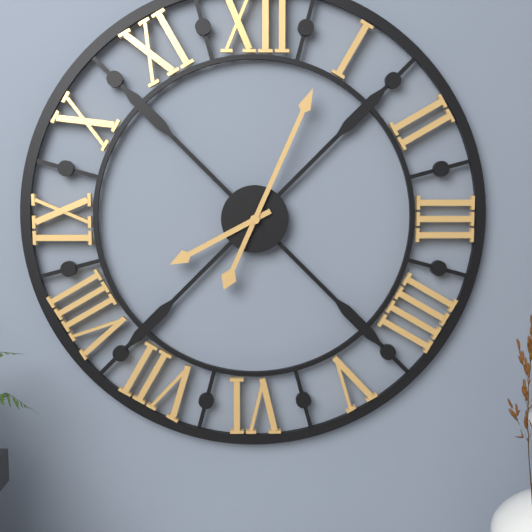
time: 8:04
